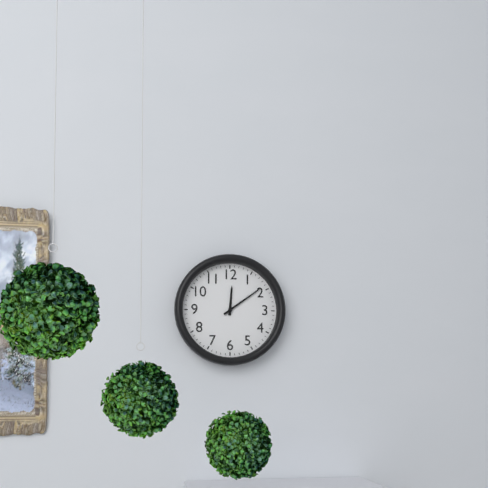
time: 12:09
